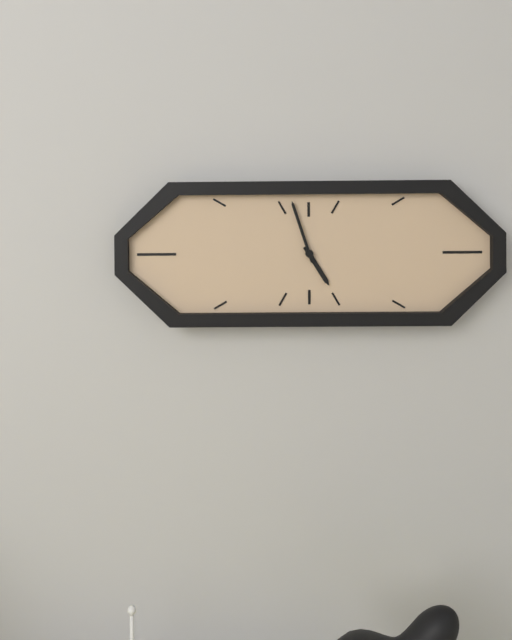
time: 4:57
